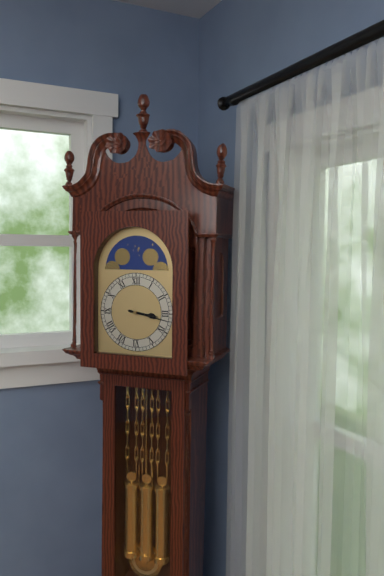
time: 3:17
